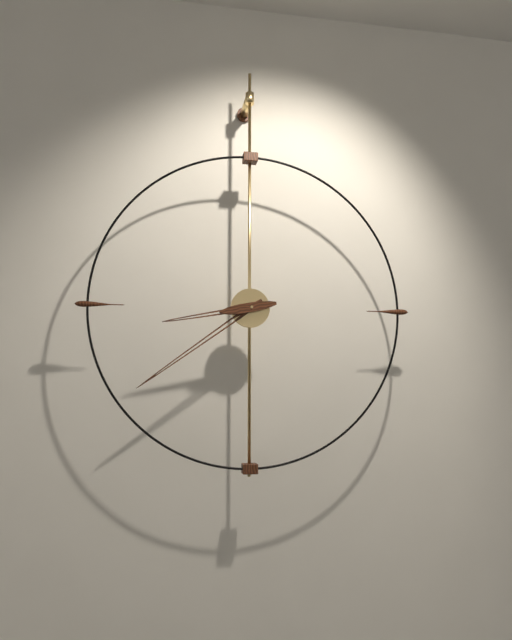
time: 8:39
